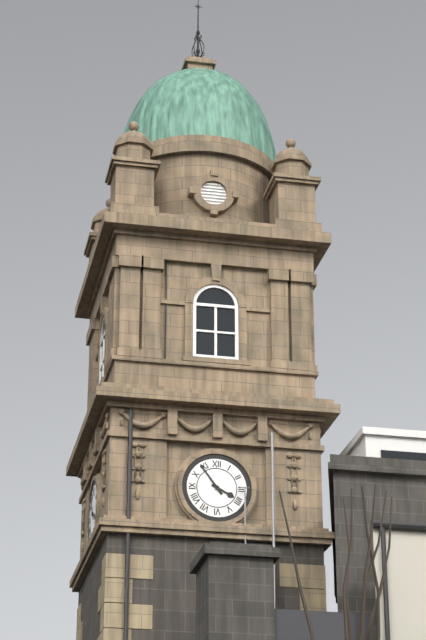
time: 3:54
